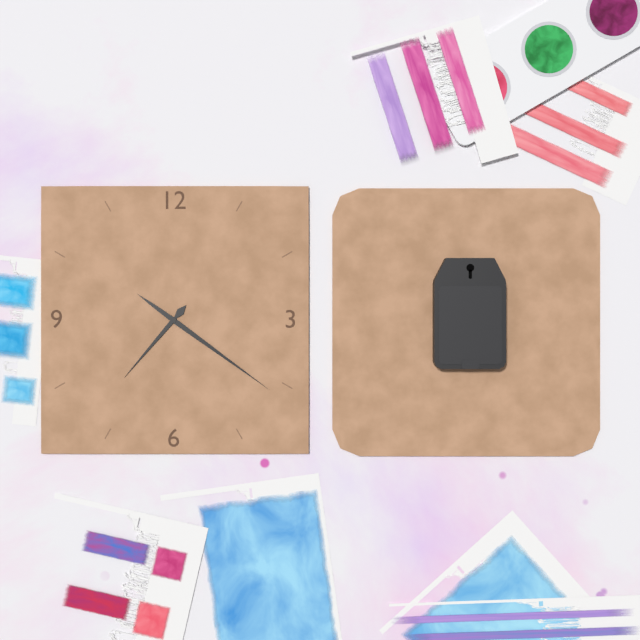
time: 7:21
